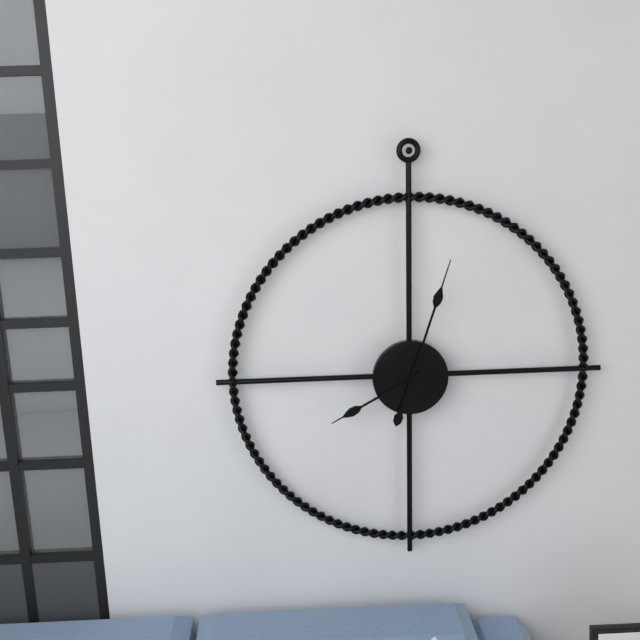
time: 8:03
